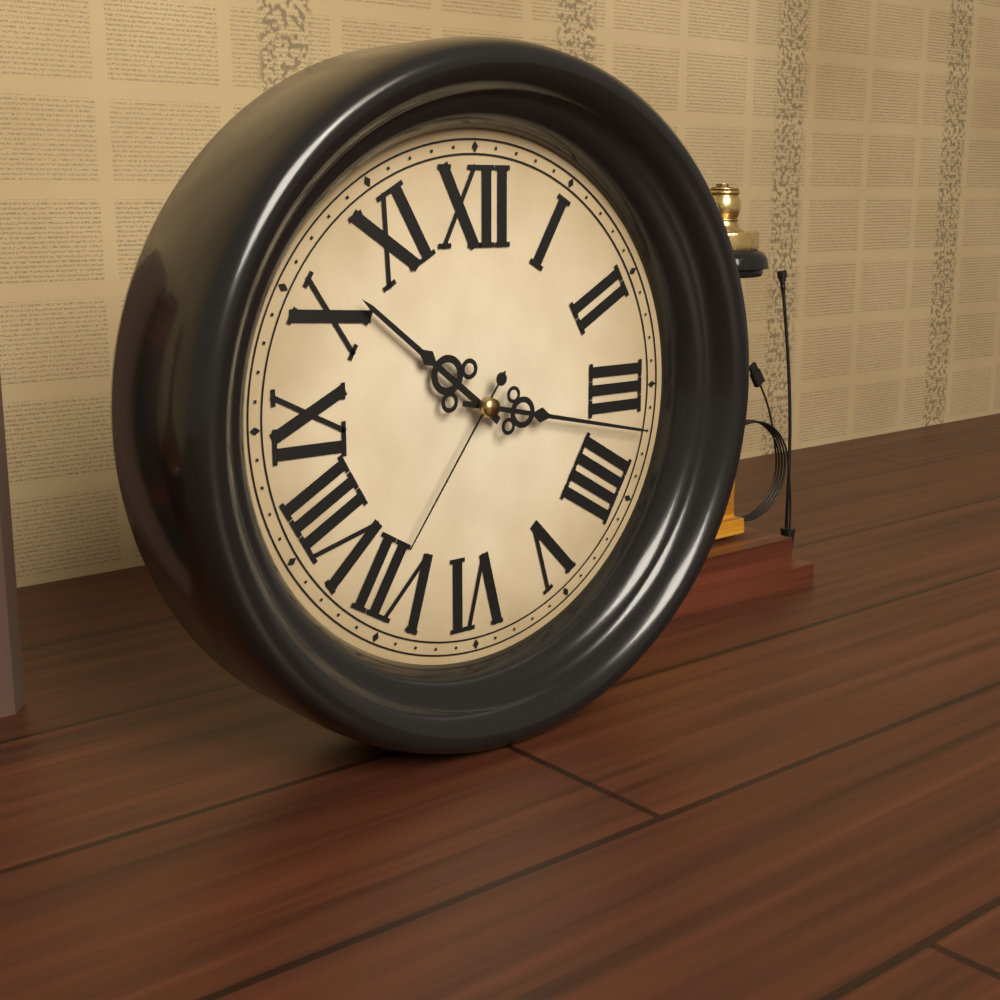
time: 10:17:36
